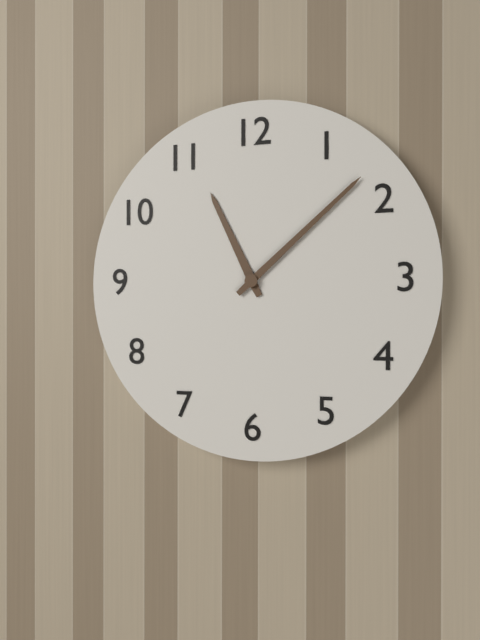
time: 11:08
